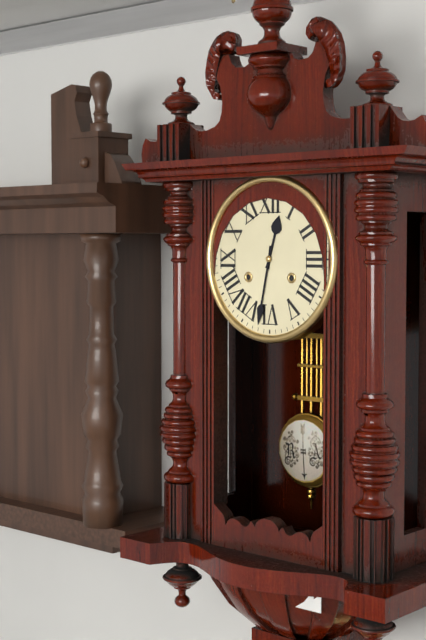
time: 12:32
